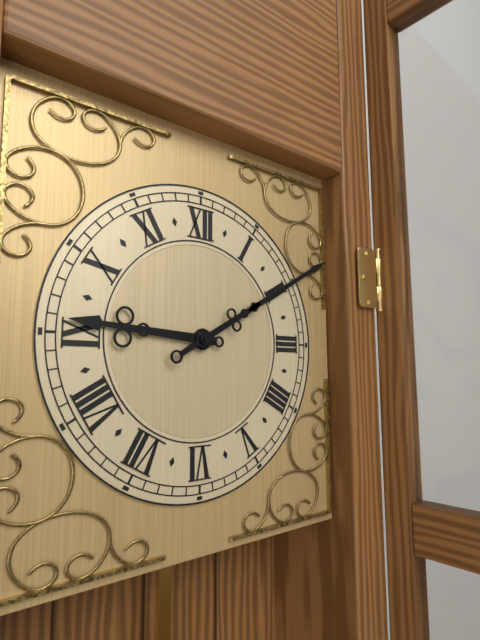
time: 9:10
